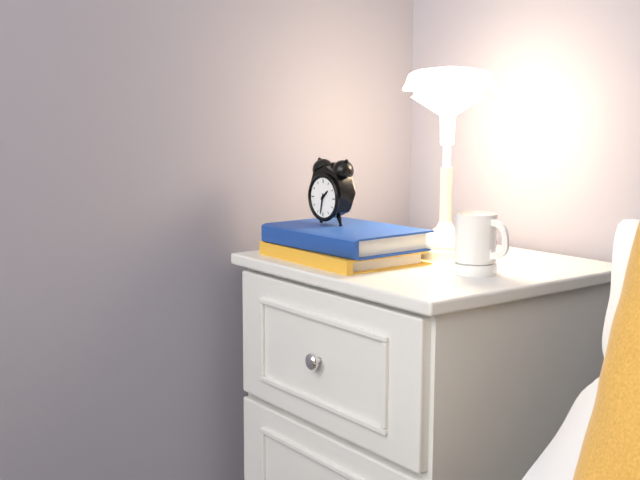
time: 1:32
